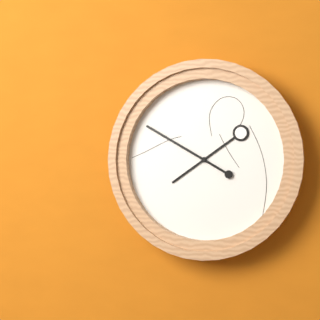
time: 7:50
